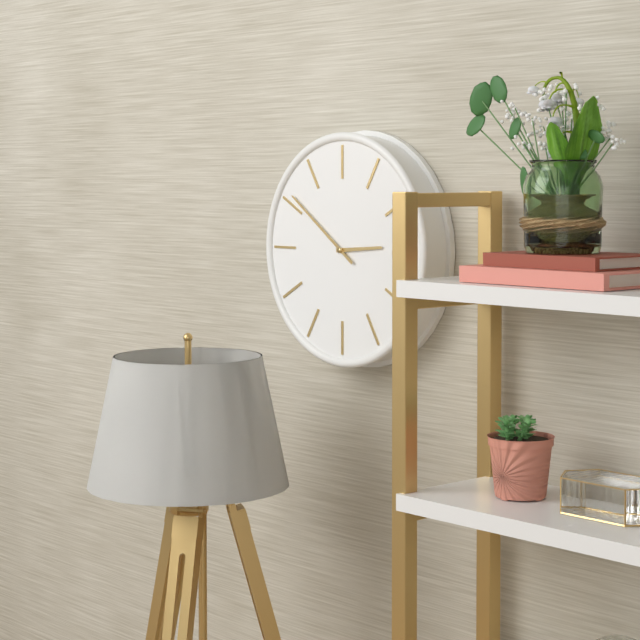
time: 2:51
